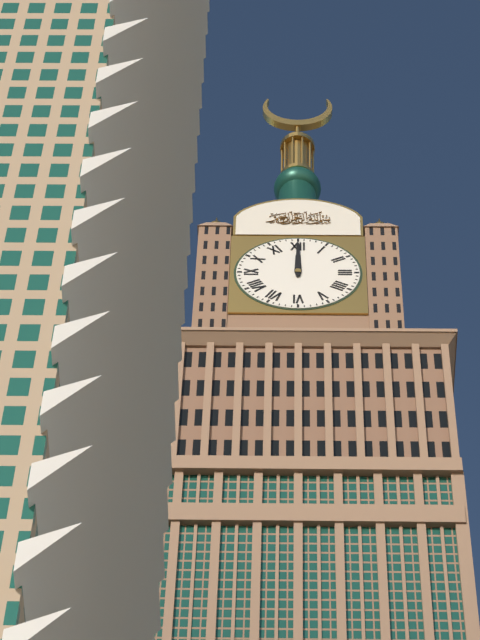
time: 12:00
